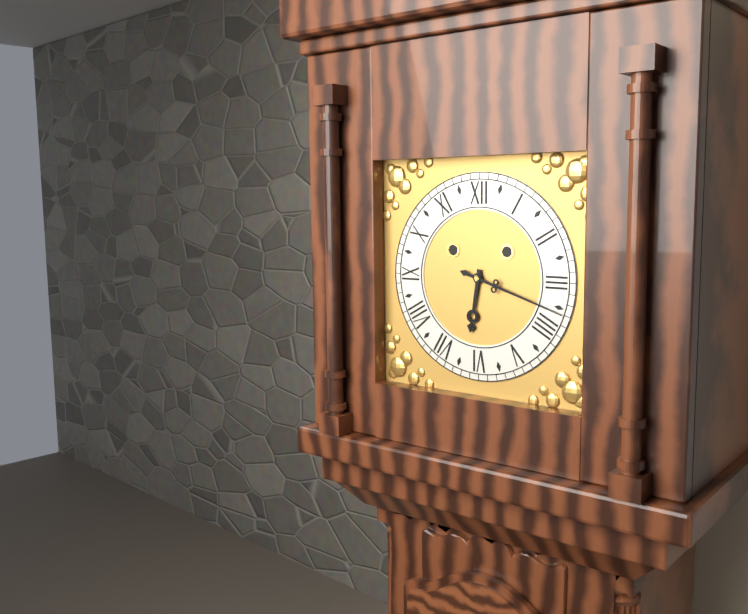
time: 6:18
